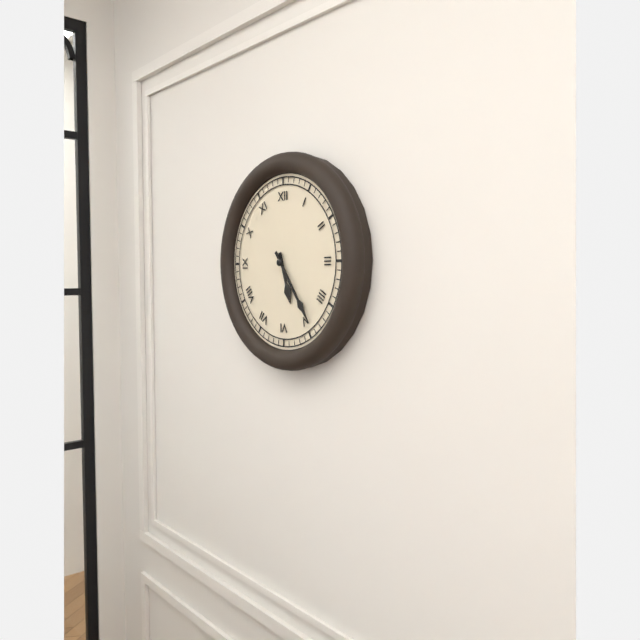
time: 5:24
